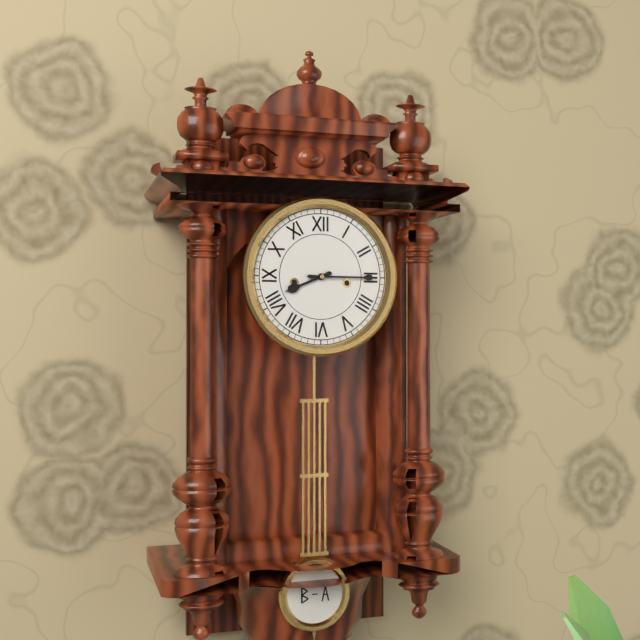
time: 8:15
